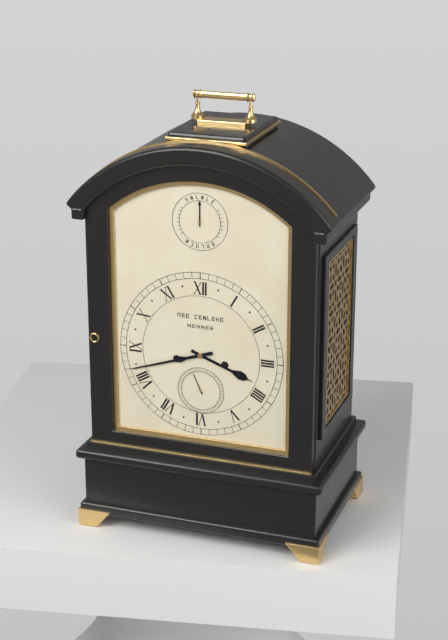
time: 3:42
